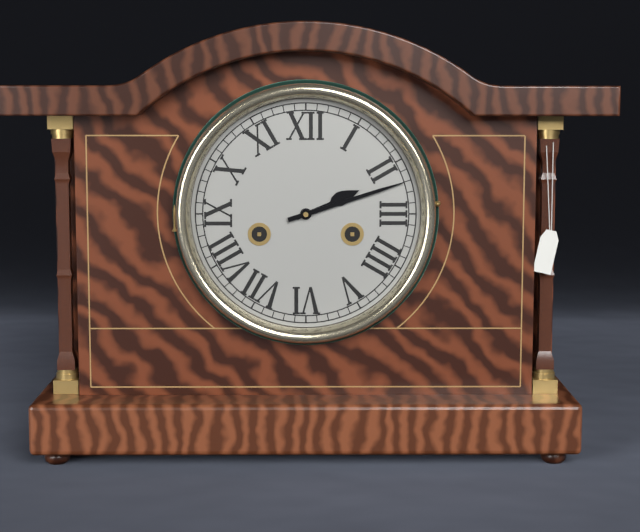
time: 2:12
